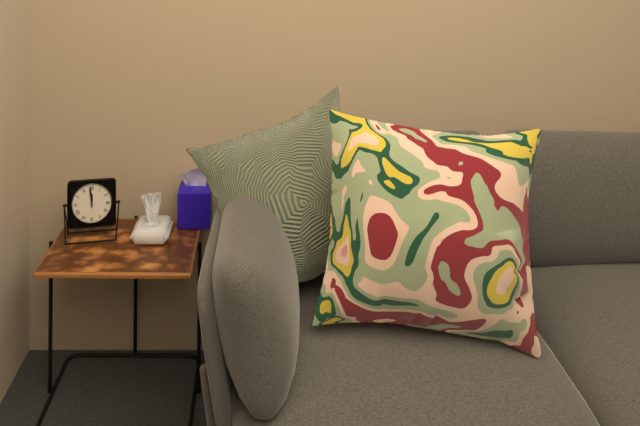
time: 11:59
